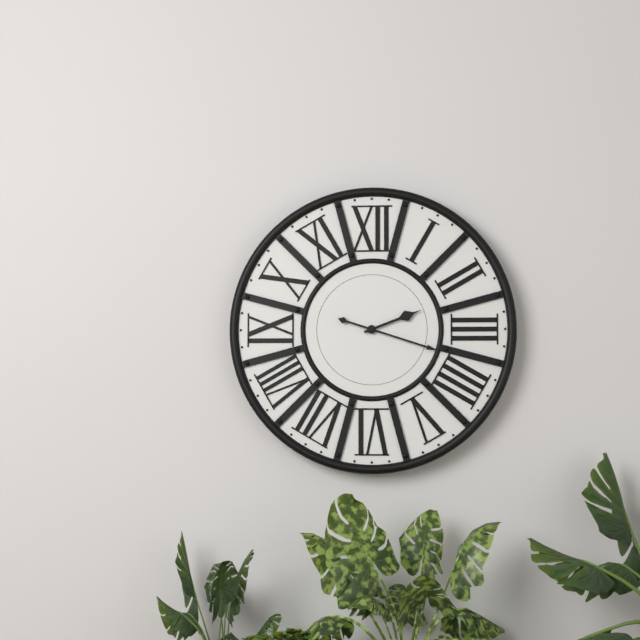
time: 2:18
